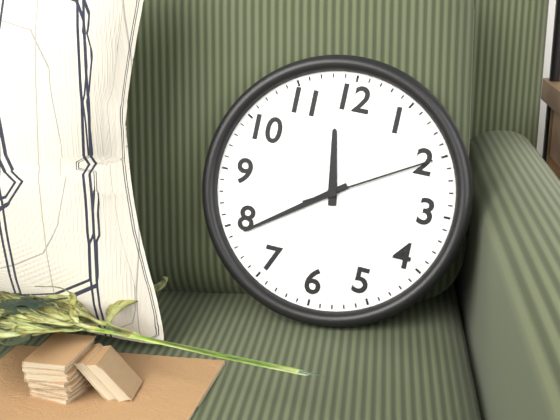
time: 11:39:10
